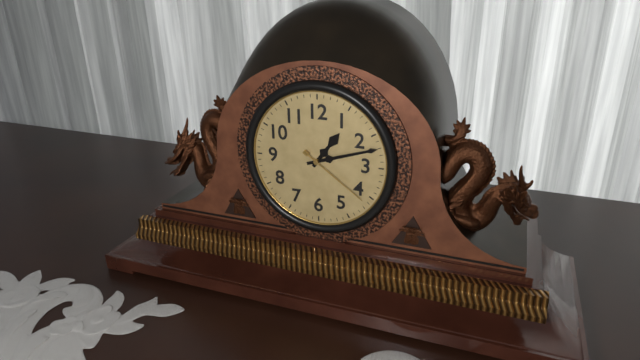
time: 1:12:21
